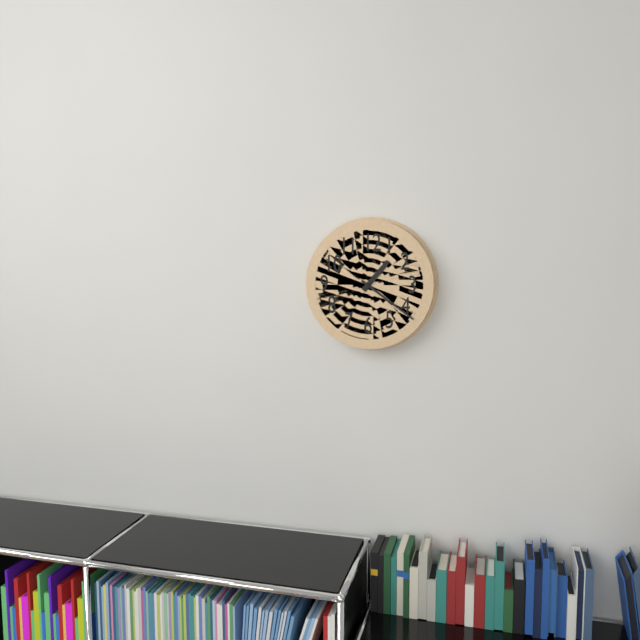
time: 1:21
